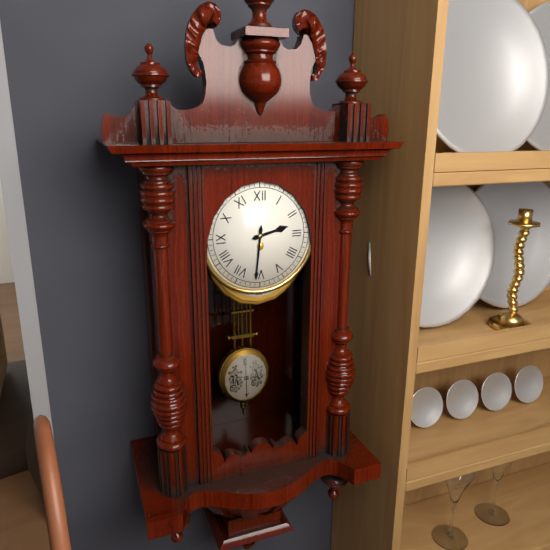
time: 2:31
